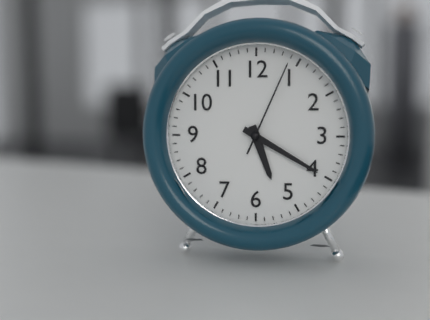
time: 5:20:04
